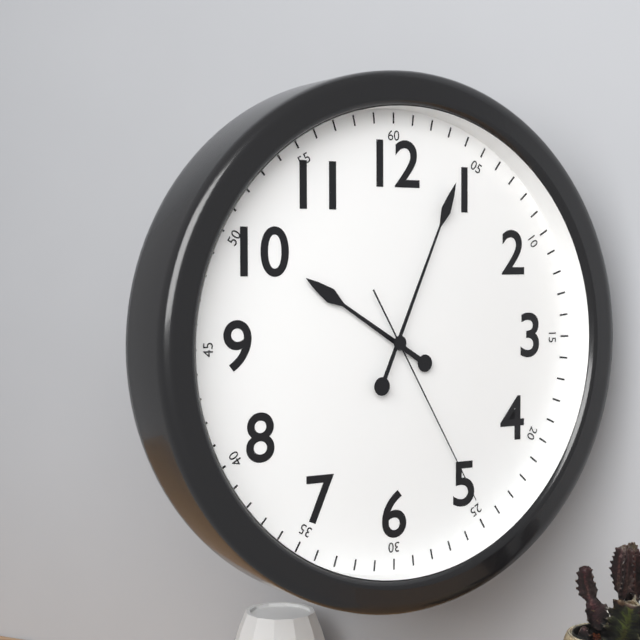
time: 10:04:25
